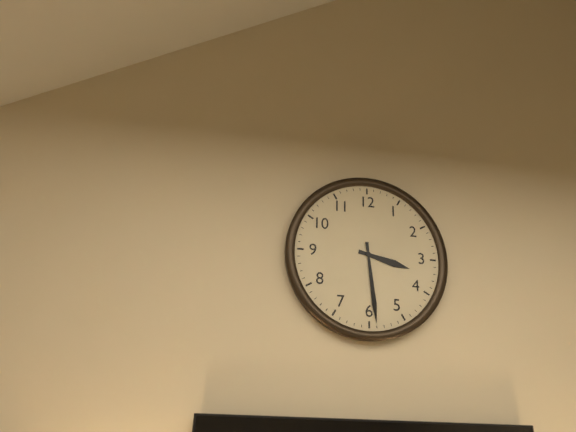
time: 3:29
